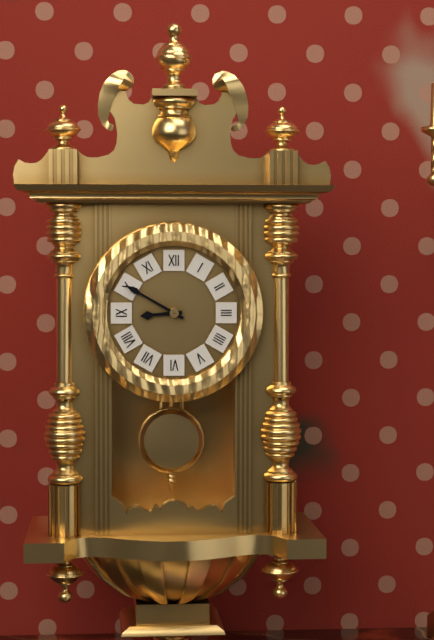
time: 8:50
